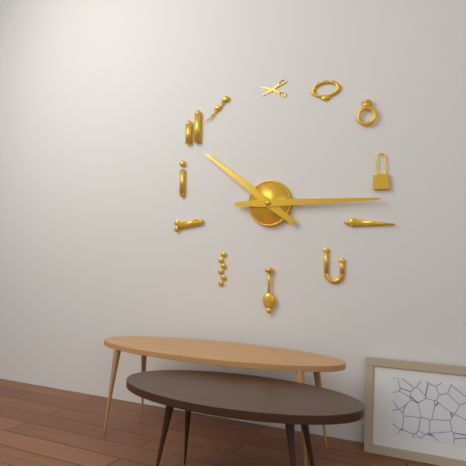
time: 10:15
